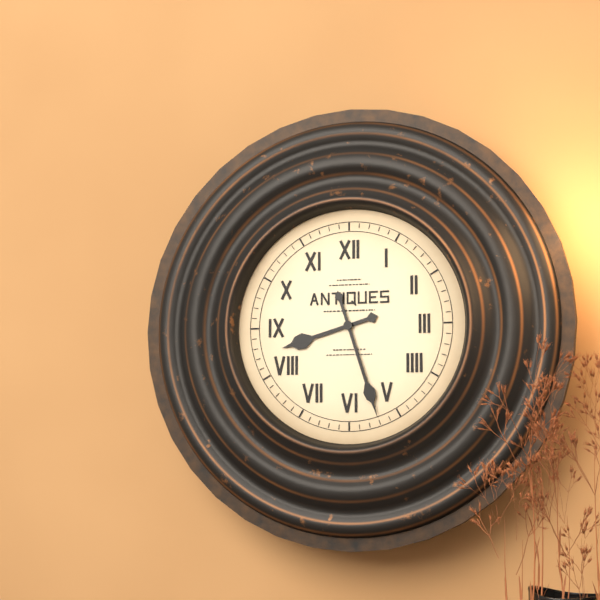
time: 8:27
